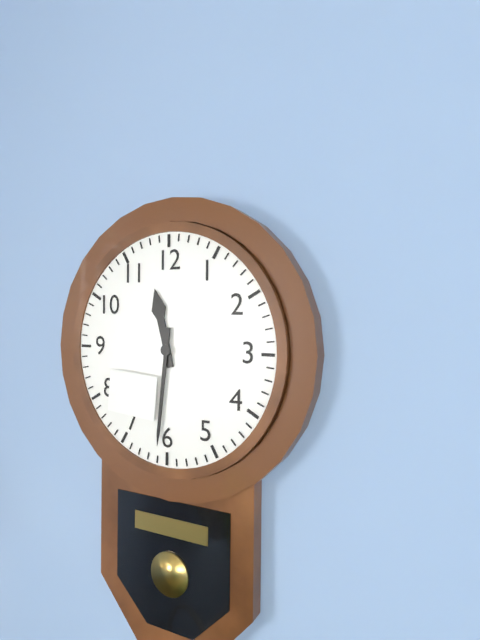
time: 11:31
